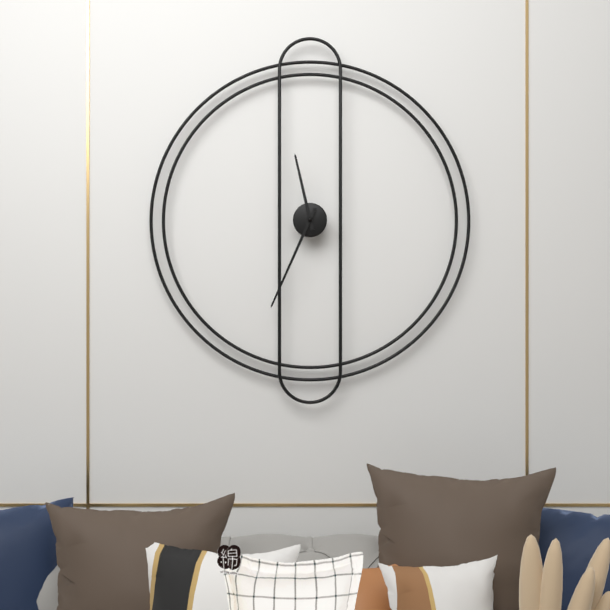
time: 11:34
